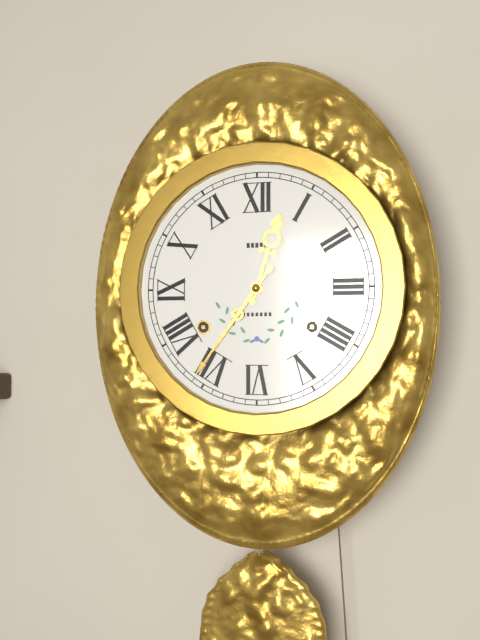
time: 12:36
